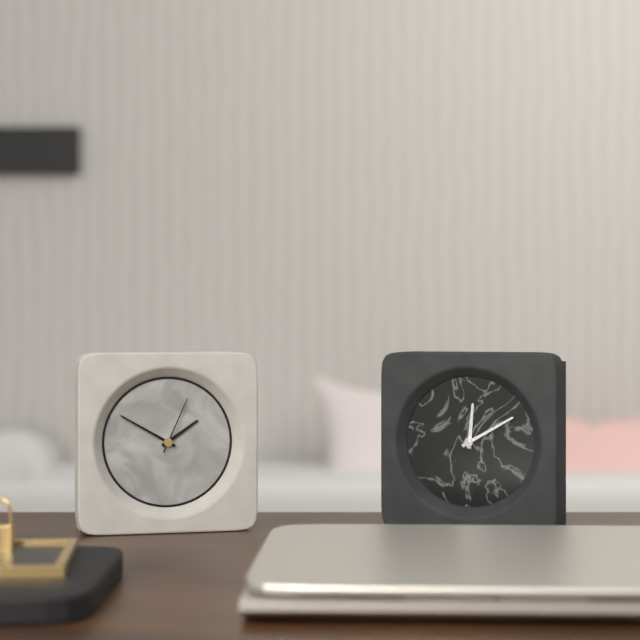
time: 1:50:04
